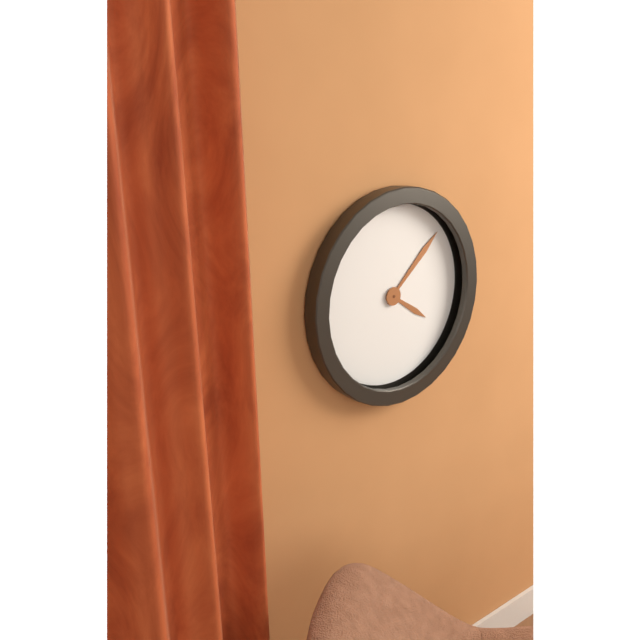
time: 4:08
